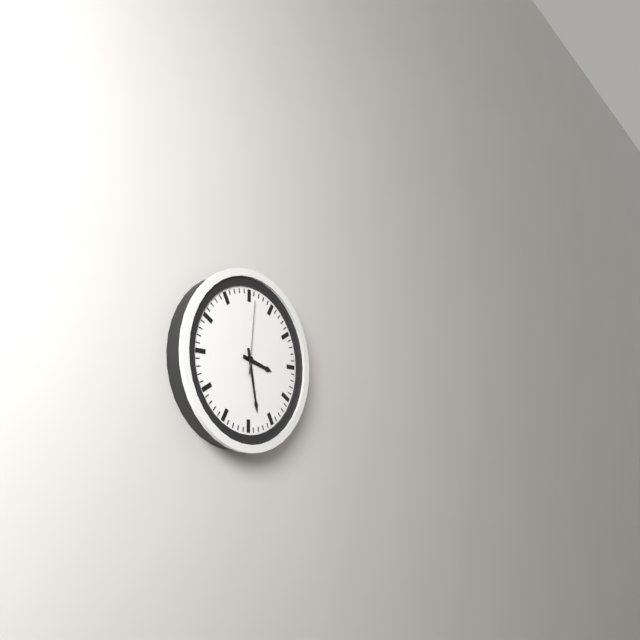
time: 3:28:01
